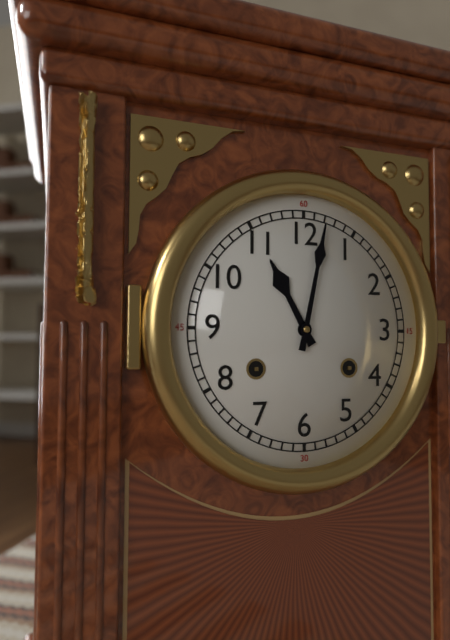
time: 11:02
